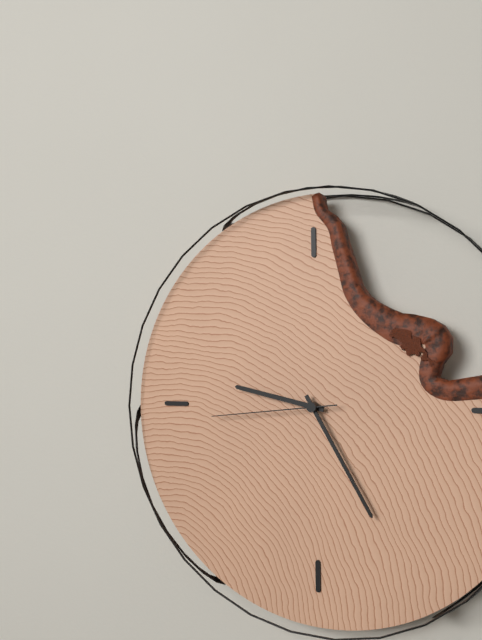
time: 9:25:44
